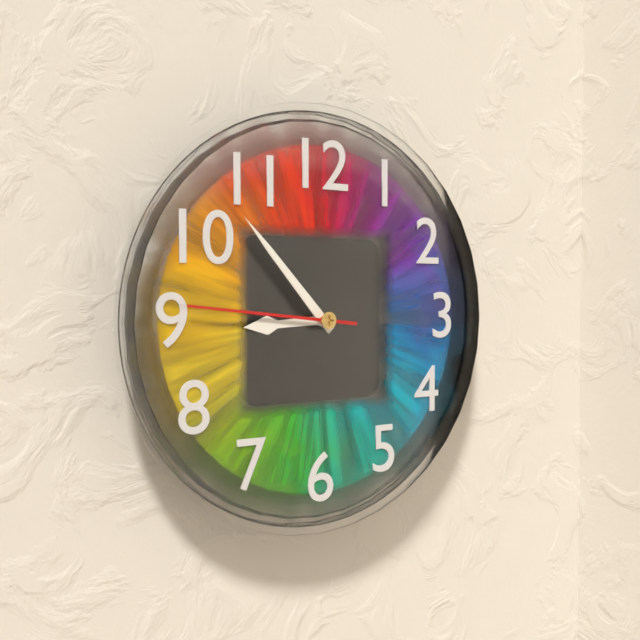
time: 8:53:46
